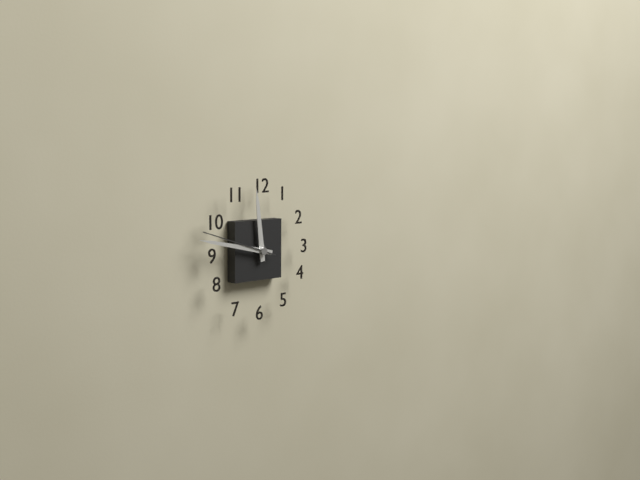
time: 11:47:48
